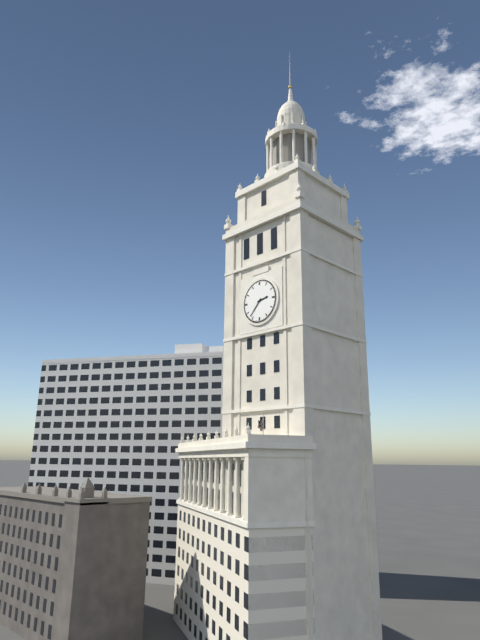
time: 2:37
